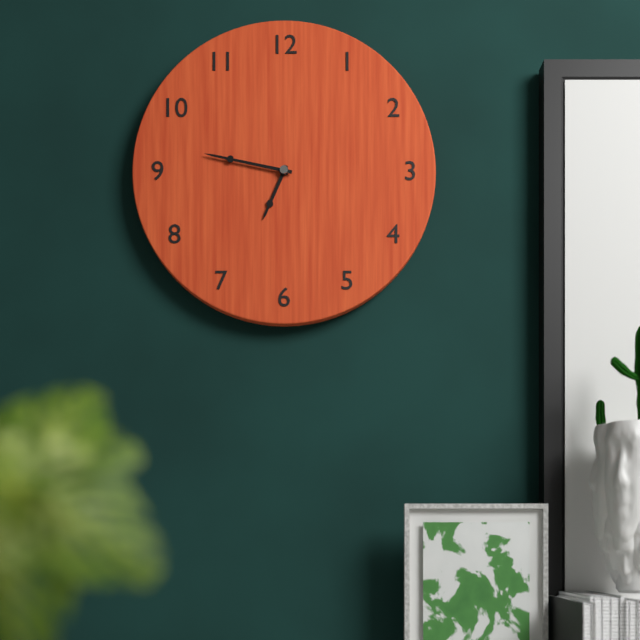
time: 6:47
